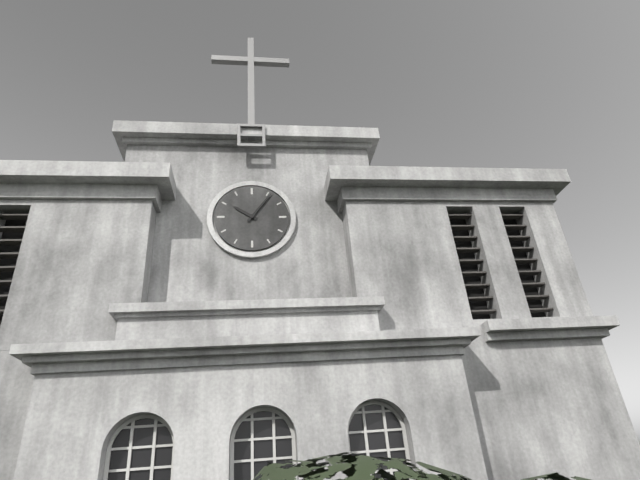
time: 10:06
